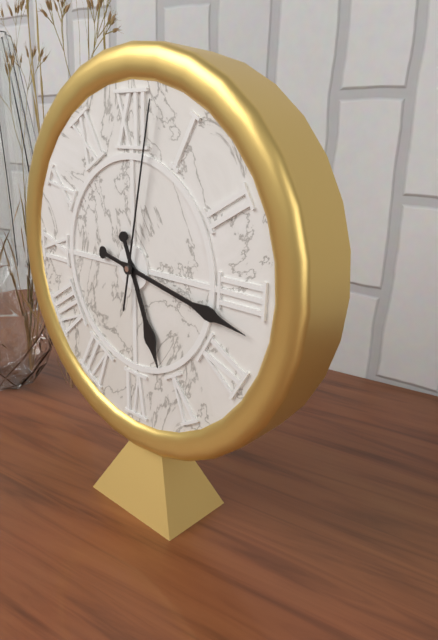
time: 5:17:02
